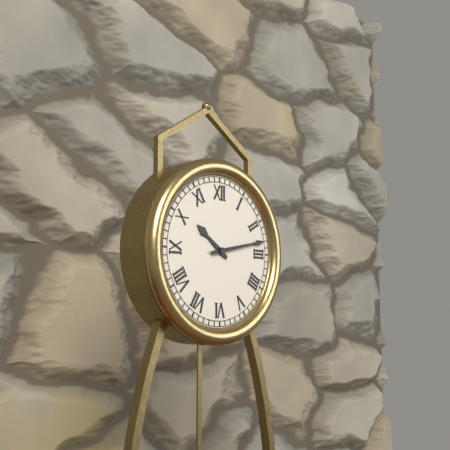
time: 10:13
